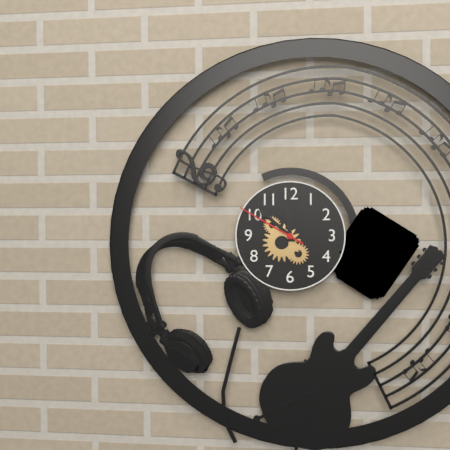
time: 11:52:50
